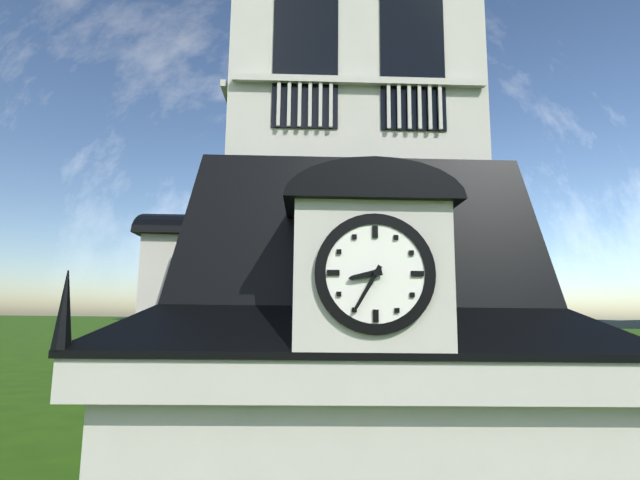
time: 8:35
